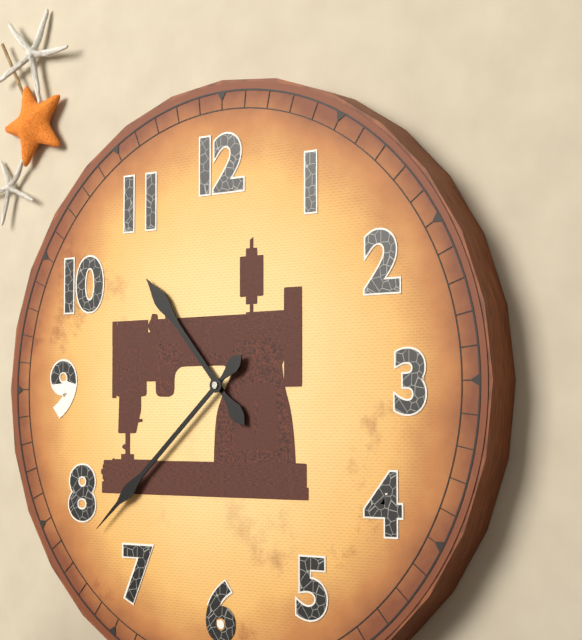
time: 10:38
